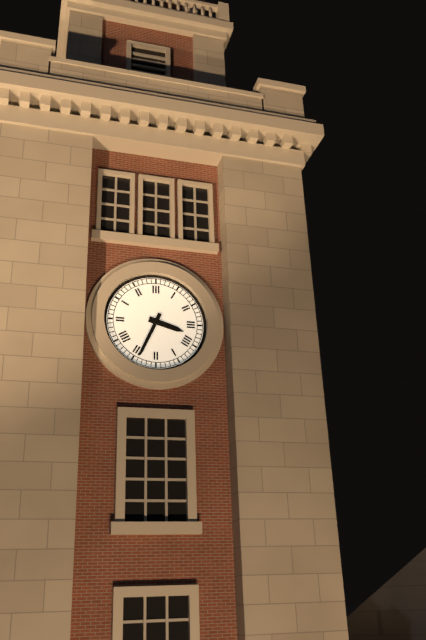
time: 3:34
